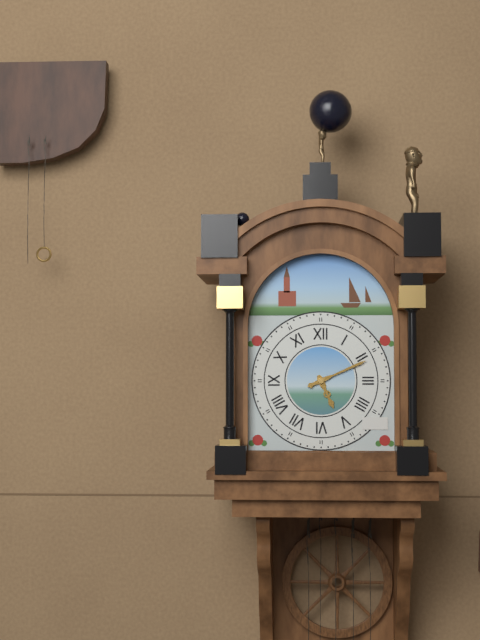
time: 5:11
